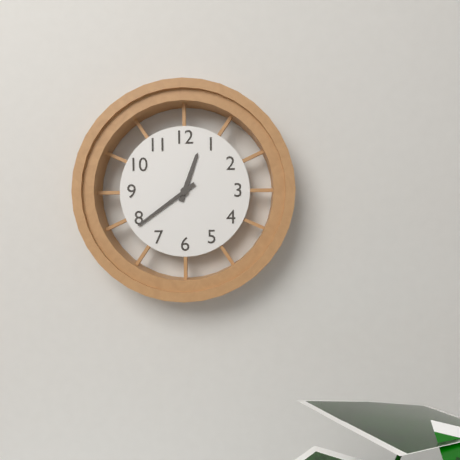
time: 12:39
